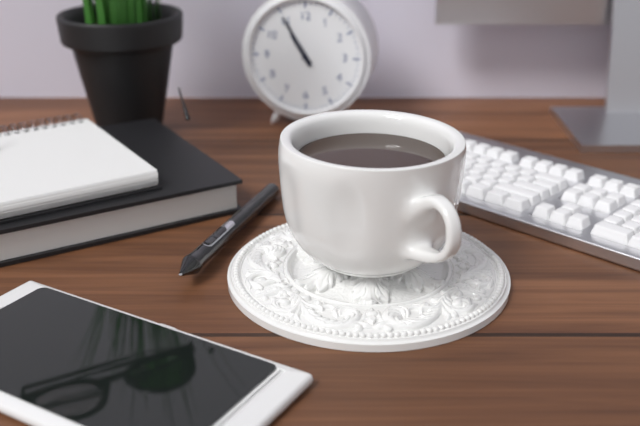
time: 10:55
